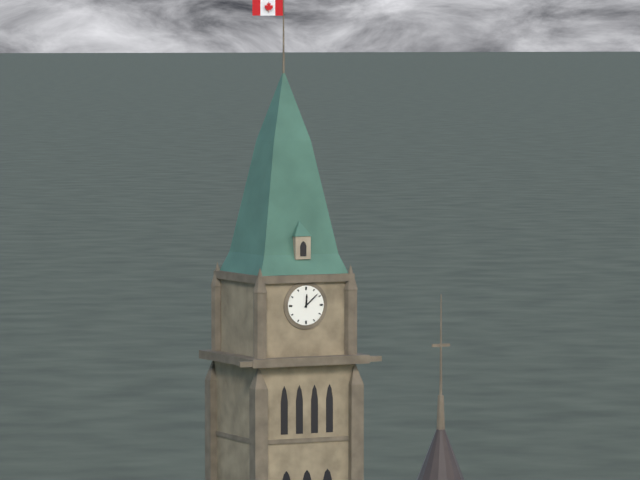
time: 12:08
